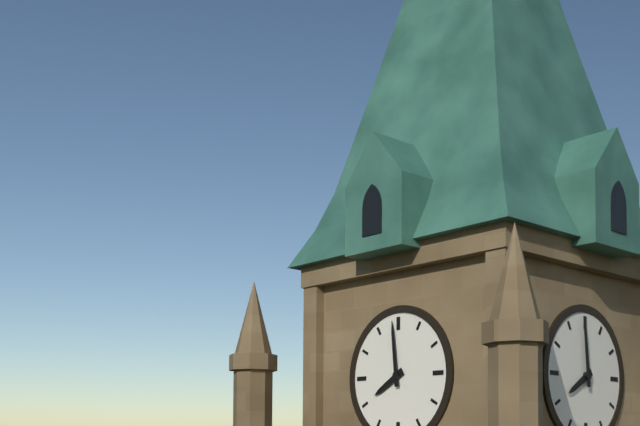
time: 7:59
